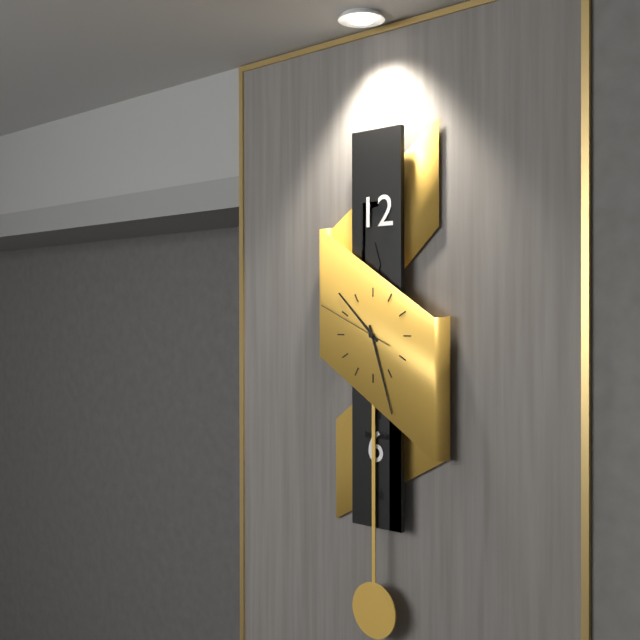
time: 10:27:49
